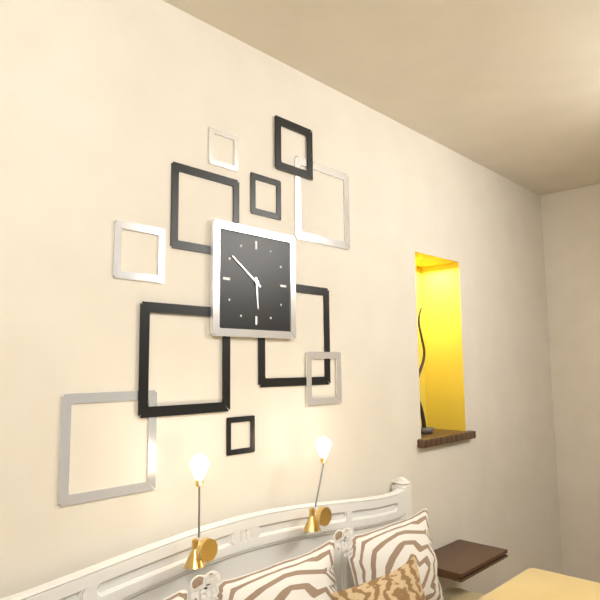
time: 5:51
